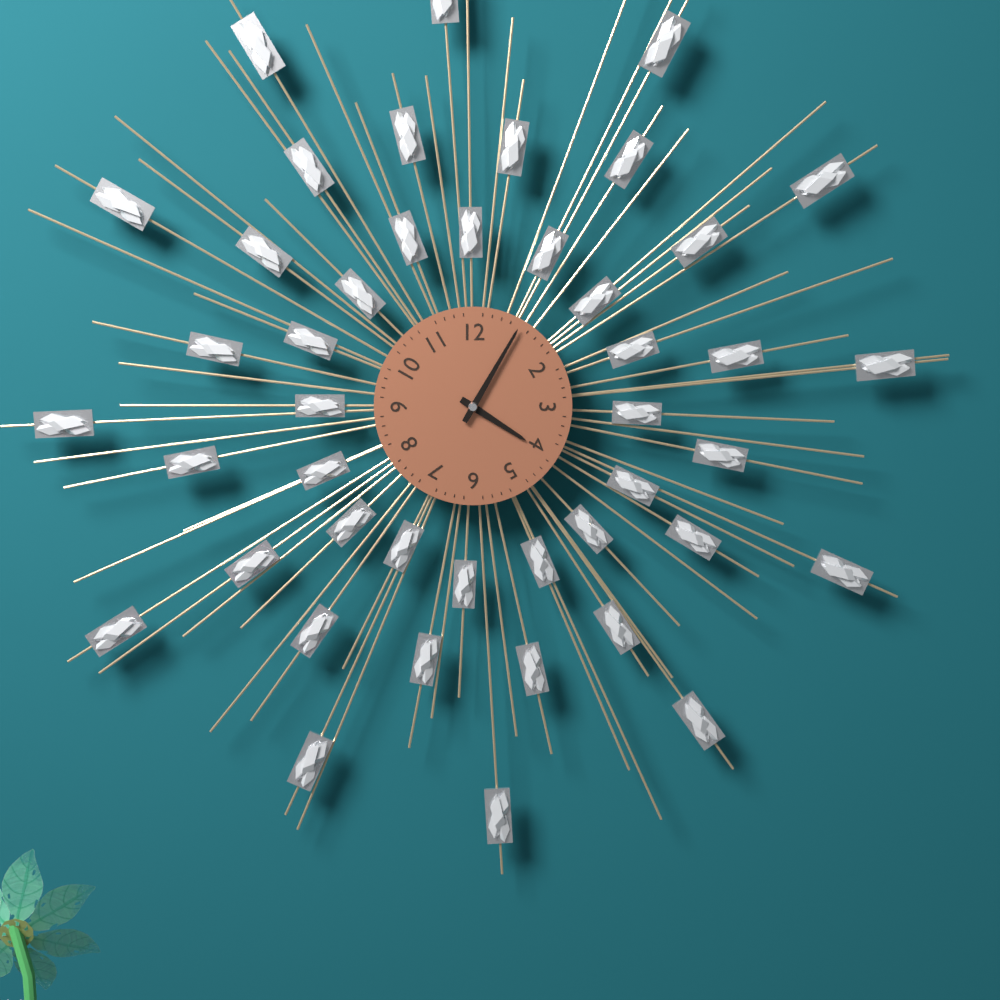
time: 4:05
